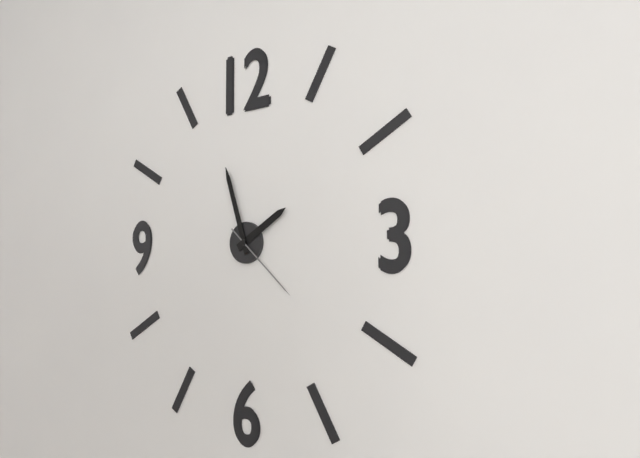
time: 1:57:22
